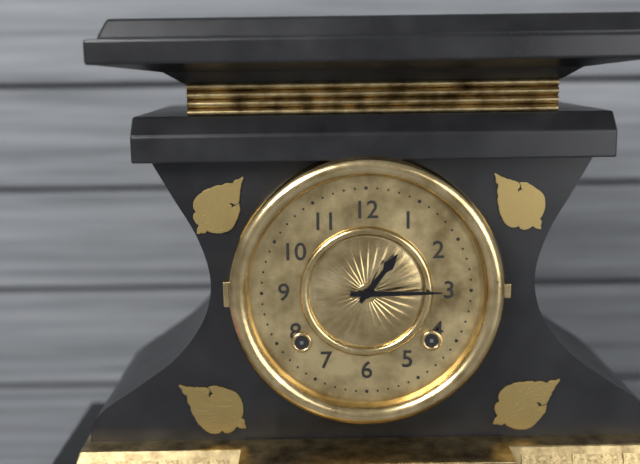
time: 1:15
